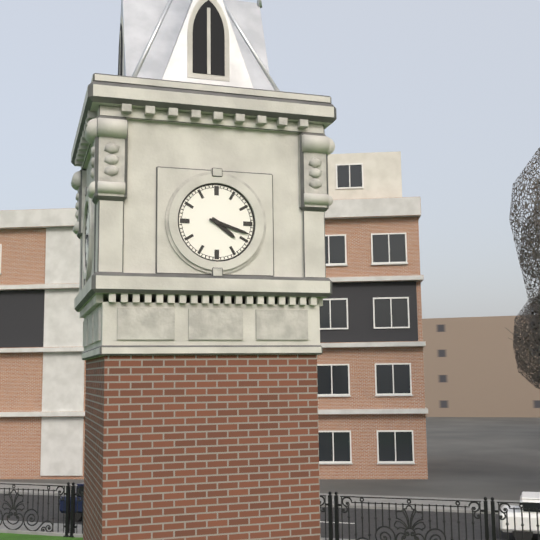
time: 4:18
